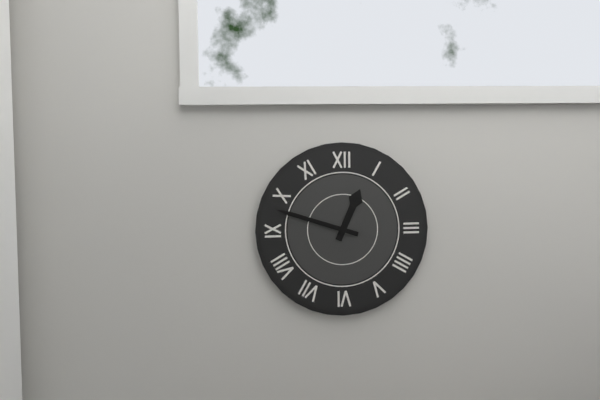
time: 12:48
